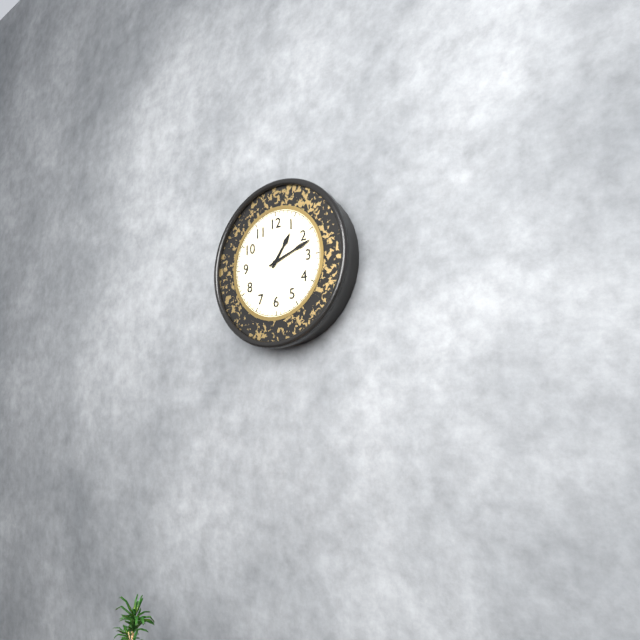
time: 1:12
